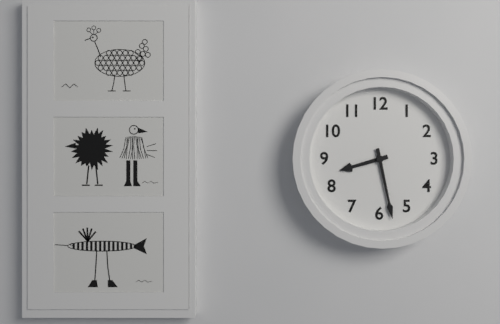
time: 8:28
